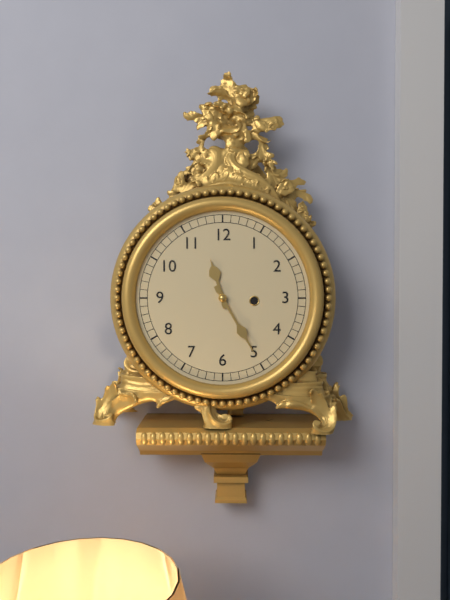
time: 11:25
